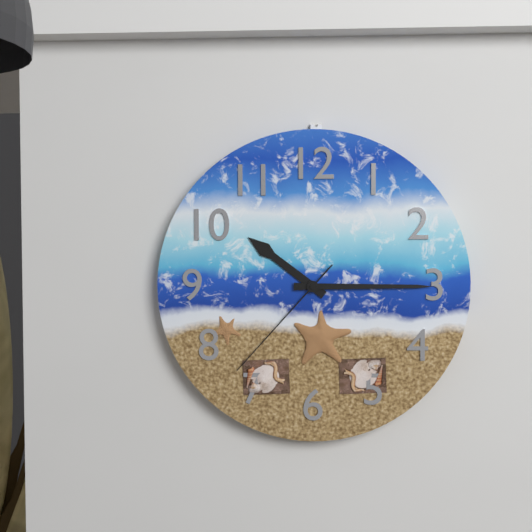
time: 10:15:37
